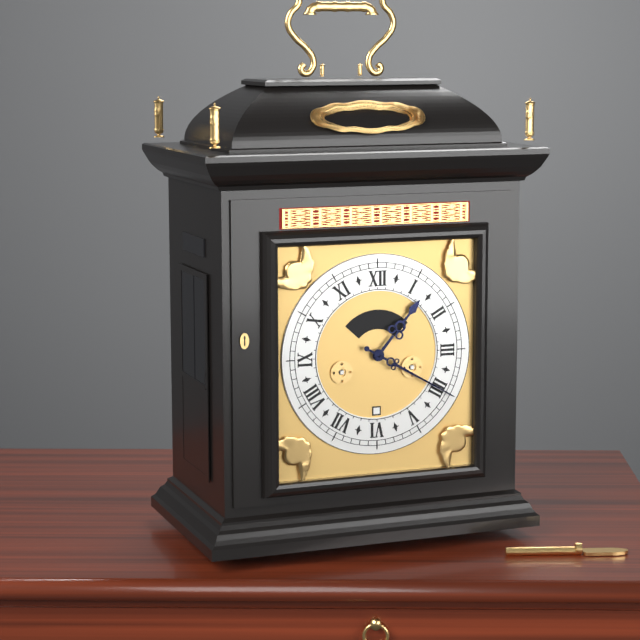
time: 1:20
